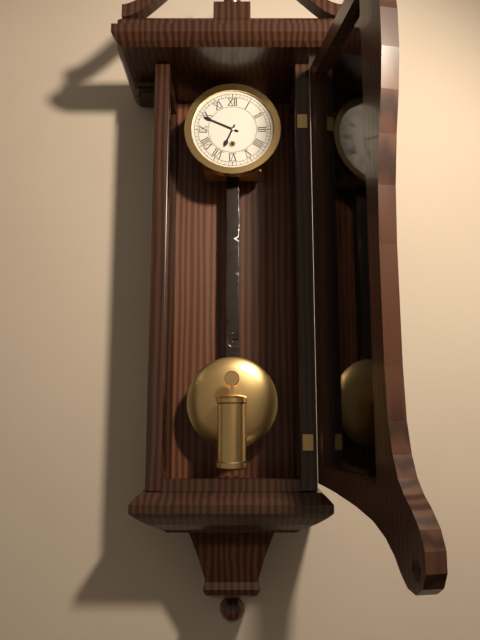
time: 6:49
